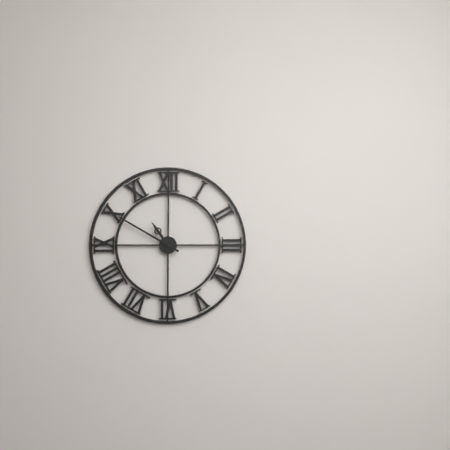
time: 10:50
